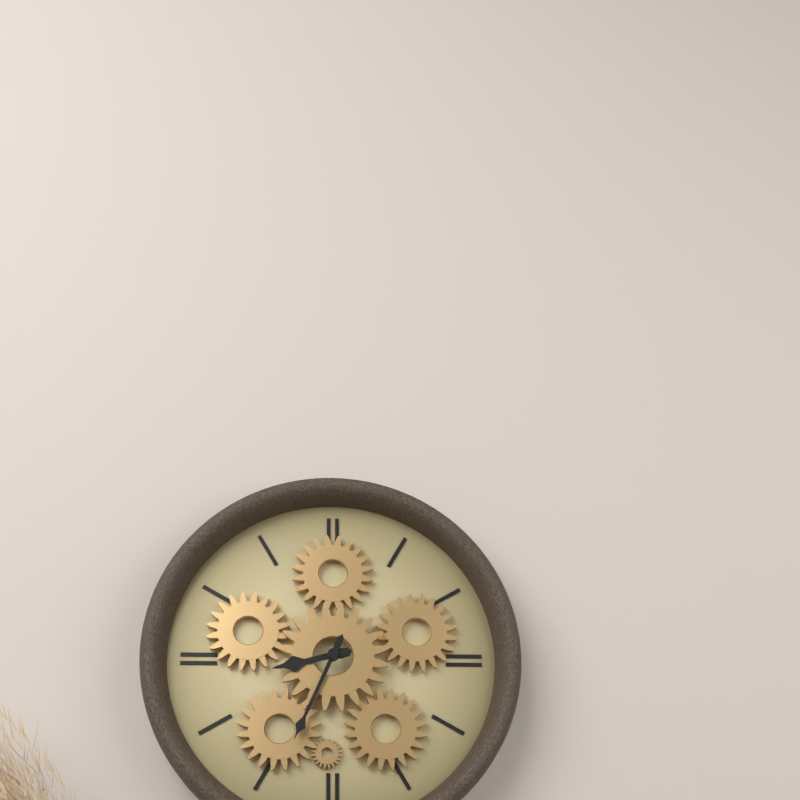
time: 8:34
